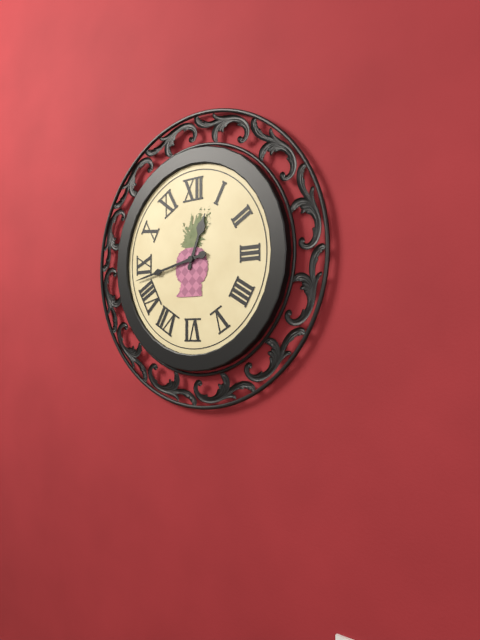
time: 12:43
